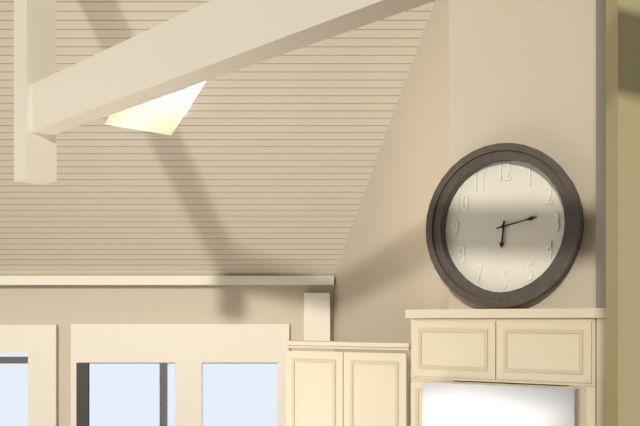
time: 6:13
